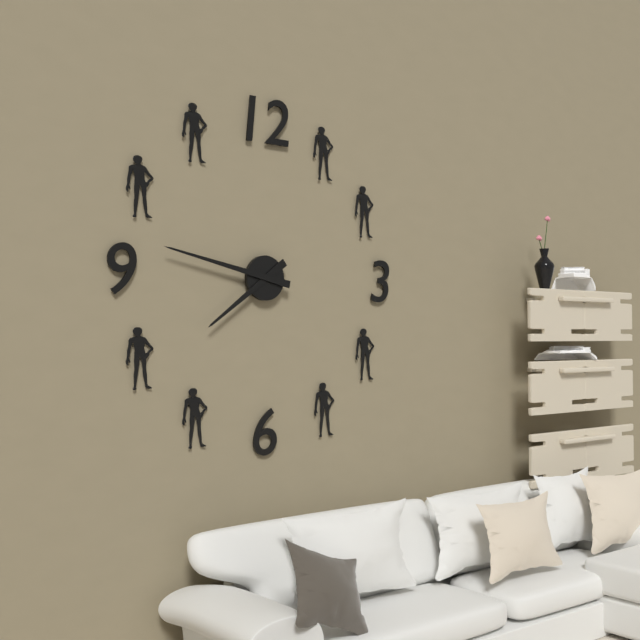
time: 7:47
